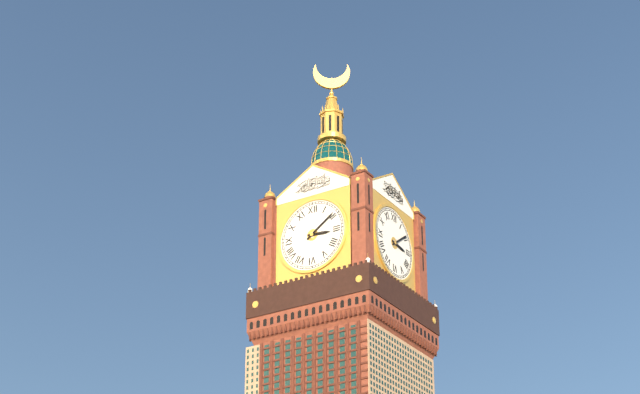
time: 3:09
